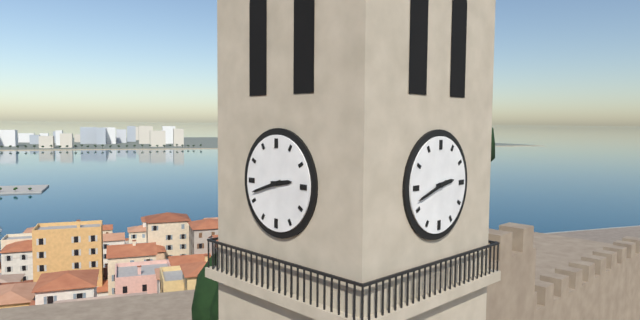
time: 2:42
